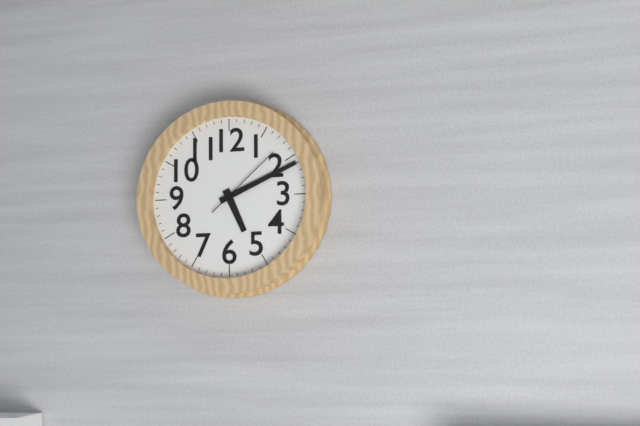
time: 5:11:08
